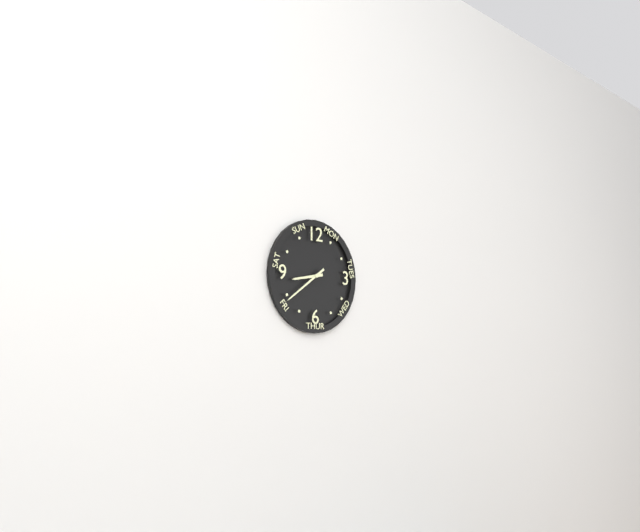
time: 8:39
